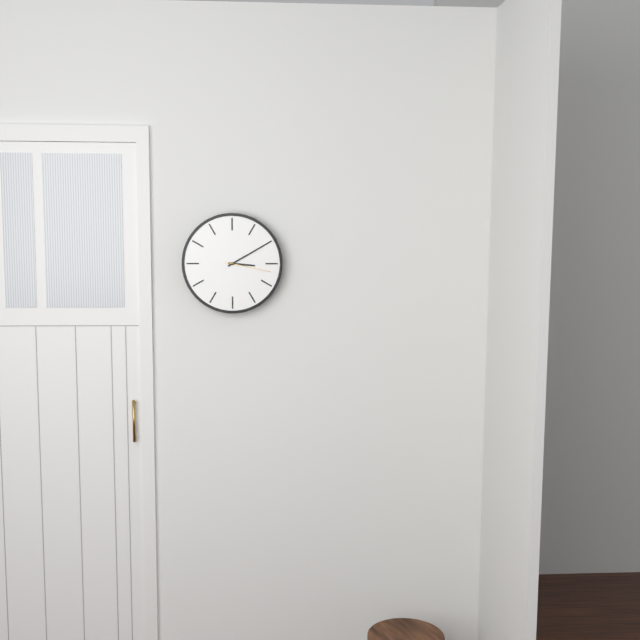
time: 3:10:17
